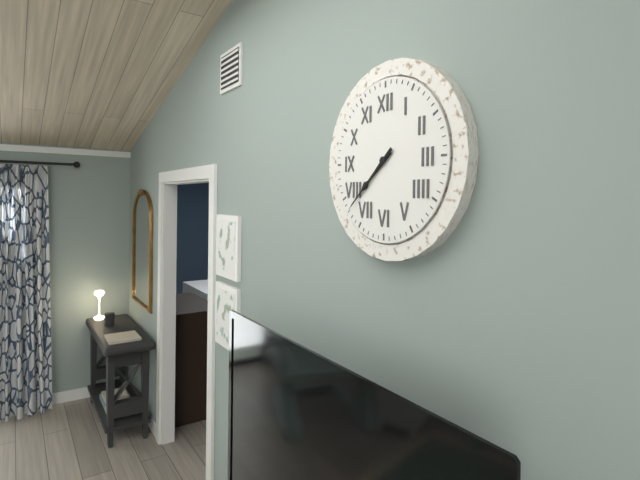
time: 7:38
